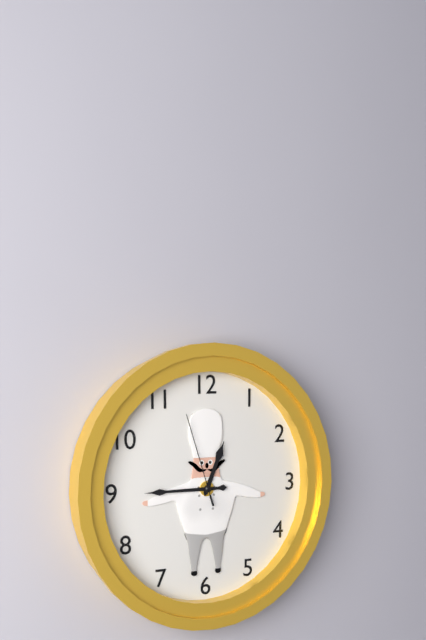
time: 12:45:57
